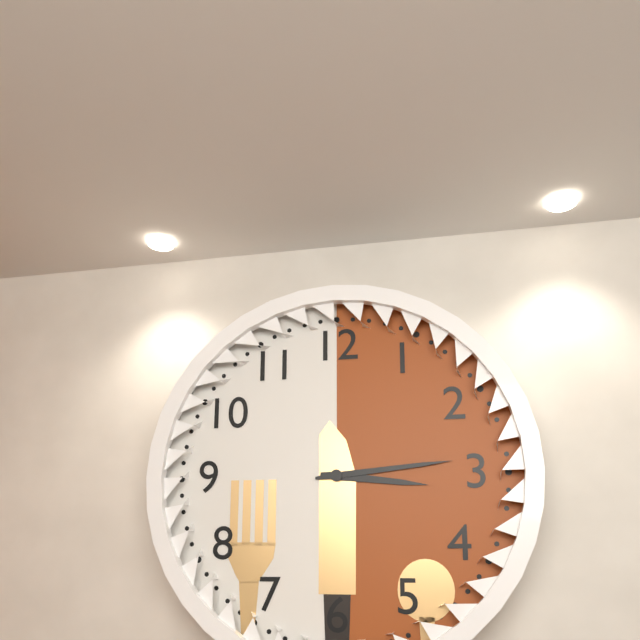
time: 3:14
